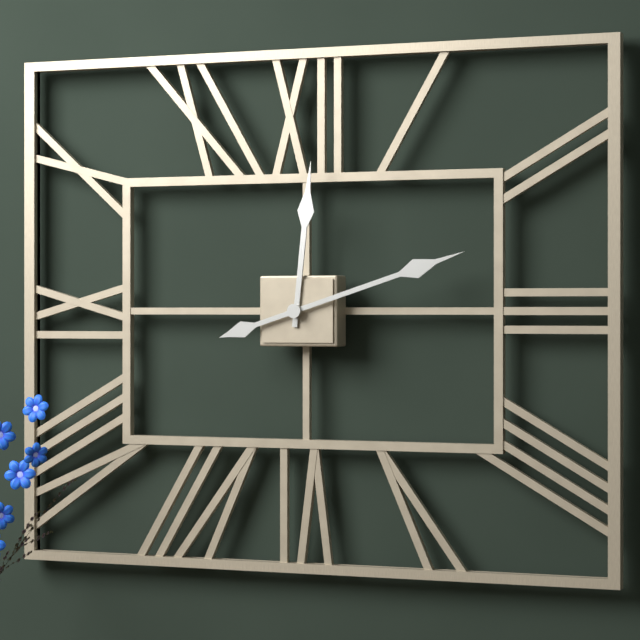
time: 12:12
